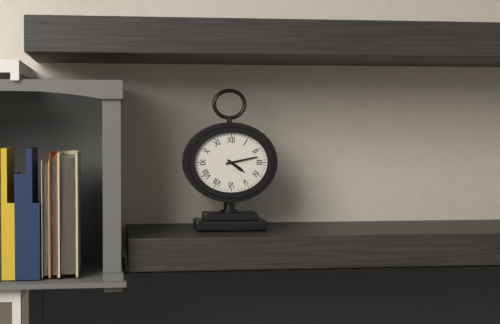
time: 4:13
